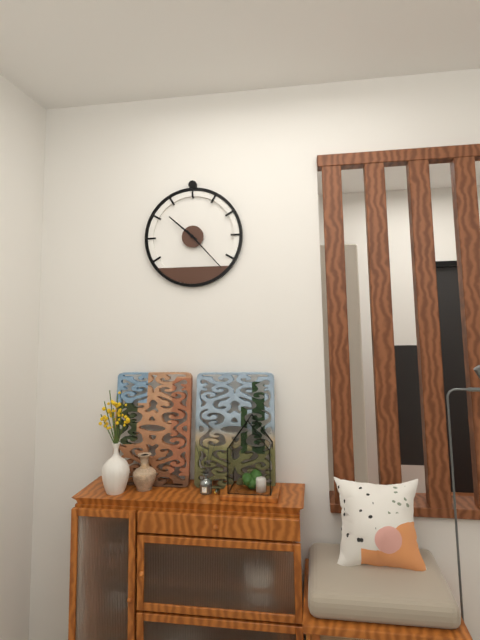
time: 10:23
